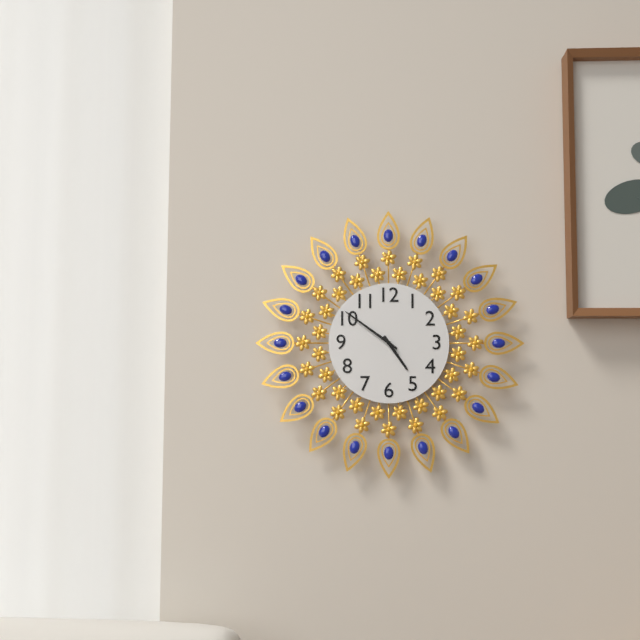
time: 4:51
